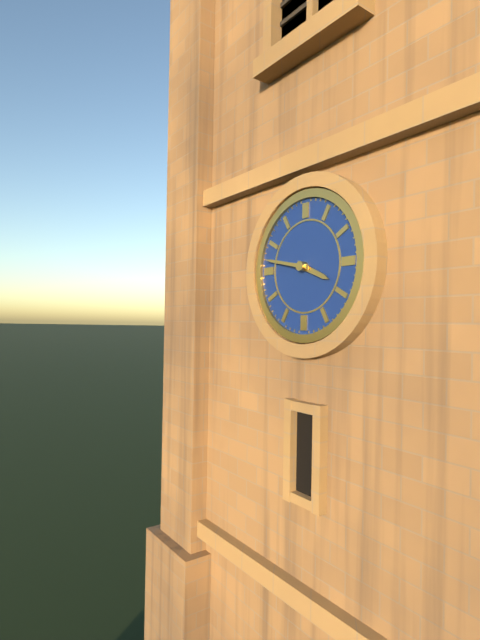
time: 3:47
